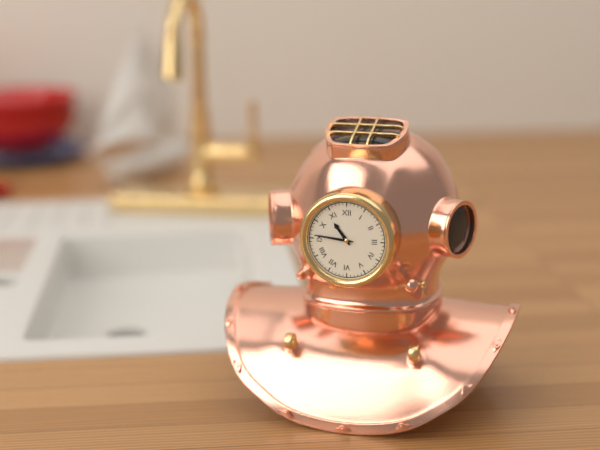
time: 10:46
